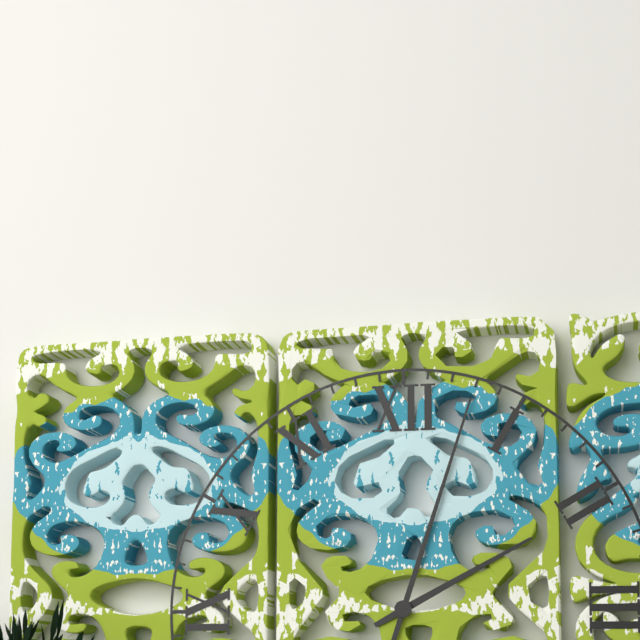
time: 2:03
